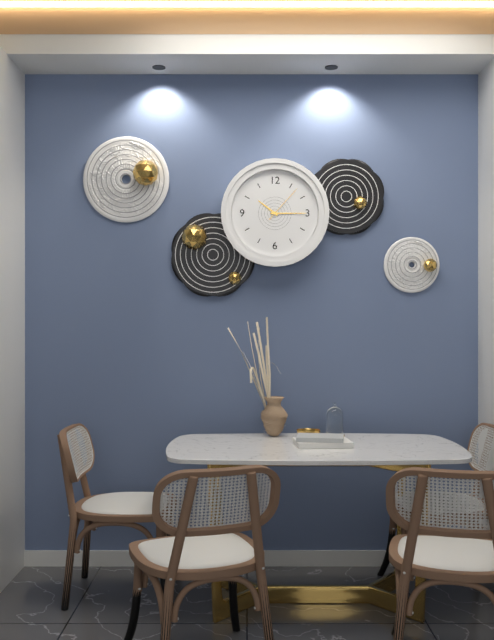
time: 10:15
